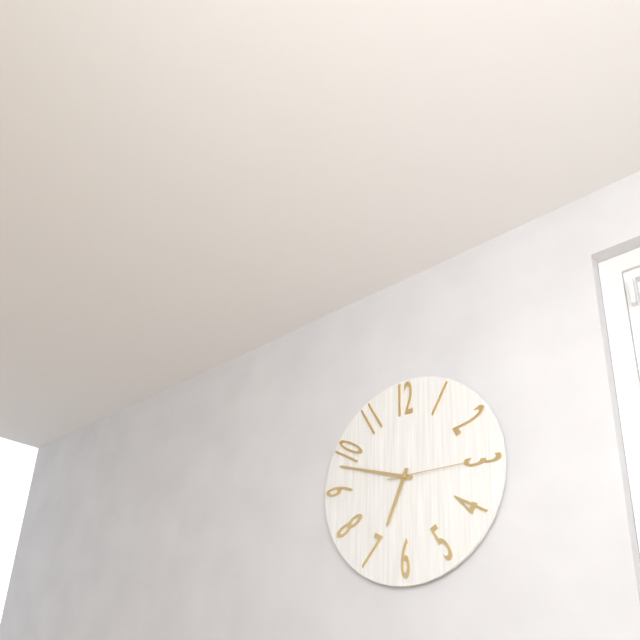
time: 6:48:15
